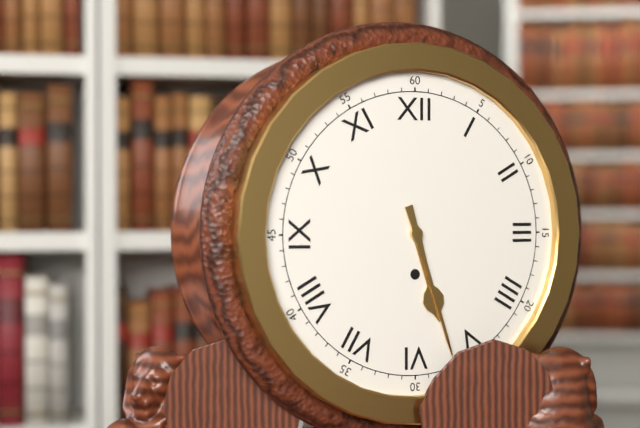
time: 5:27
